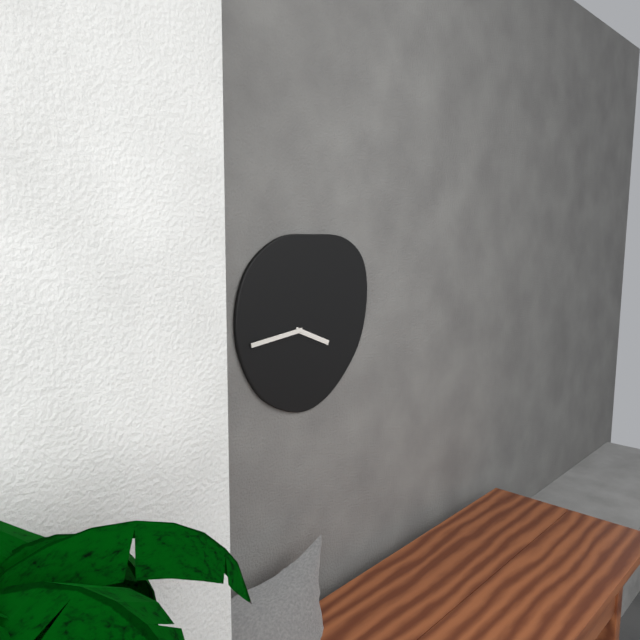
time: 3:44
